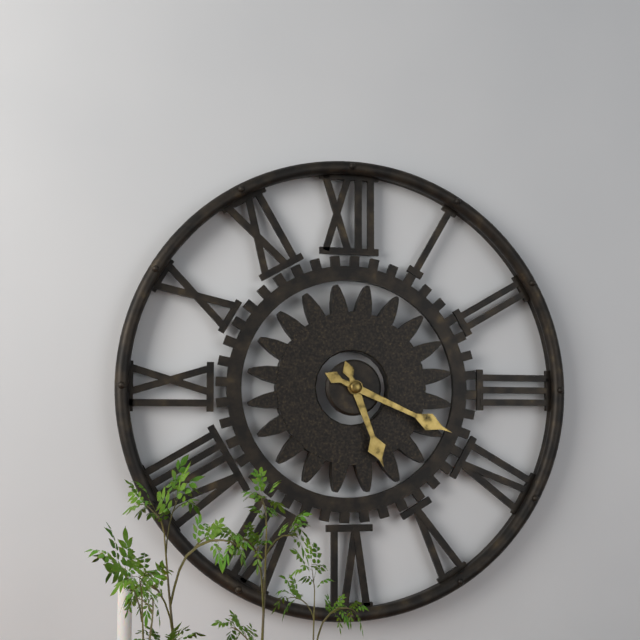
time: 5:19
